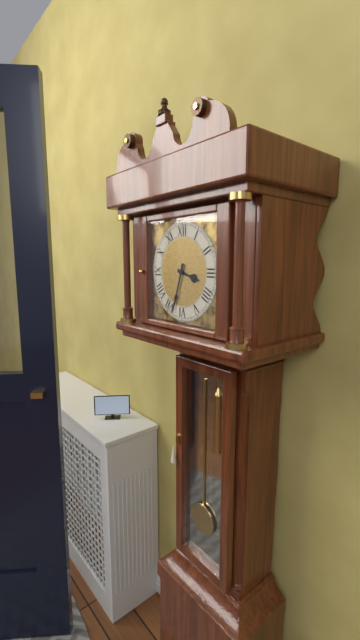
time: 3:33
